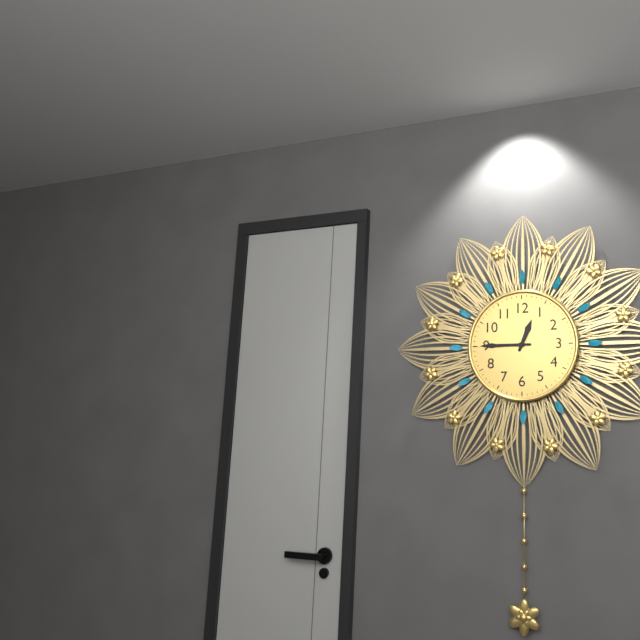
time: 12:45
